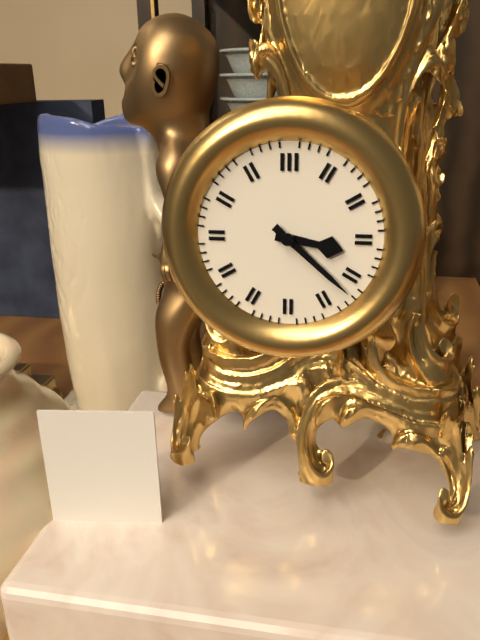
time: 3:22
